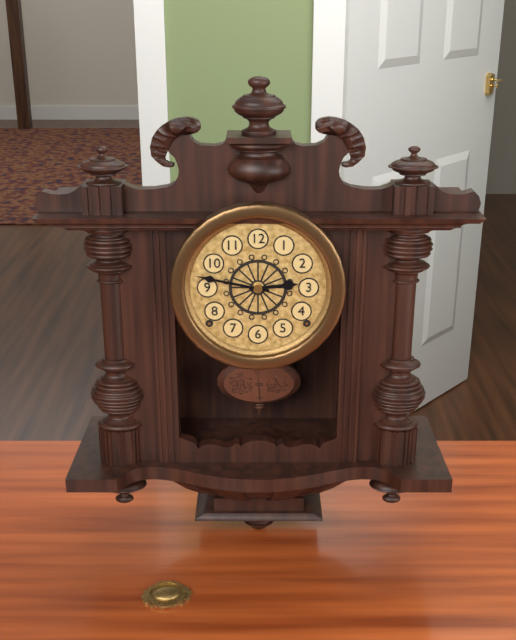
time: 2:47
